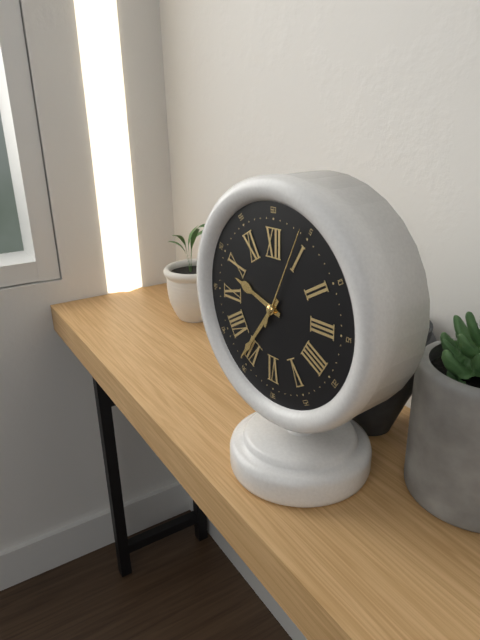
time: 9:36:04
